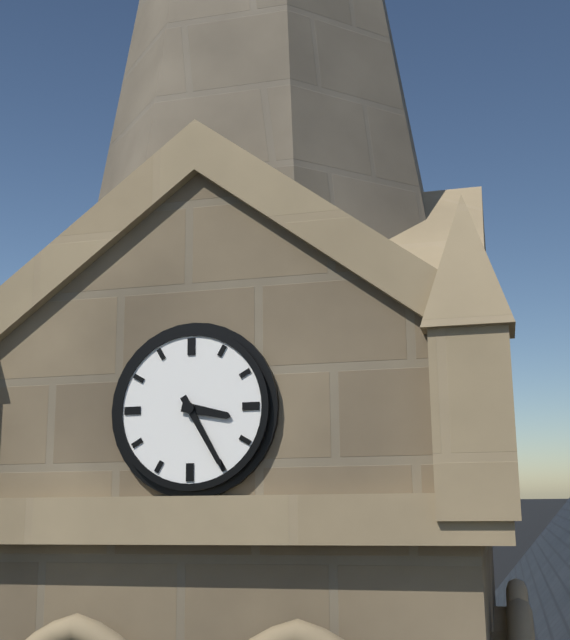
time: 3:25
